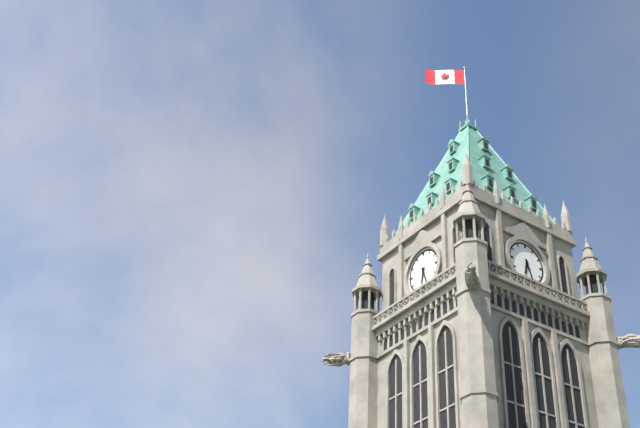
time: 6:27
